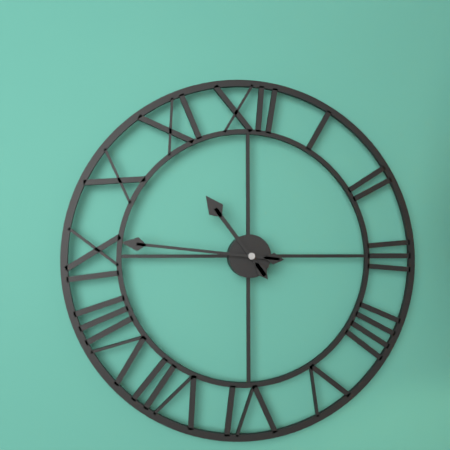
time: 10:46
